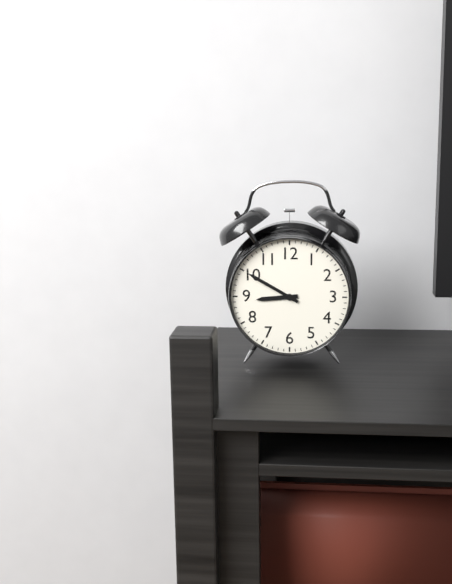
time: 8:50
